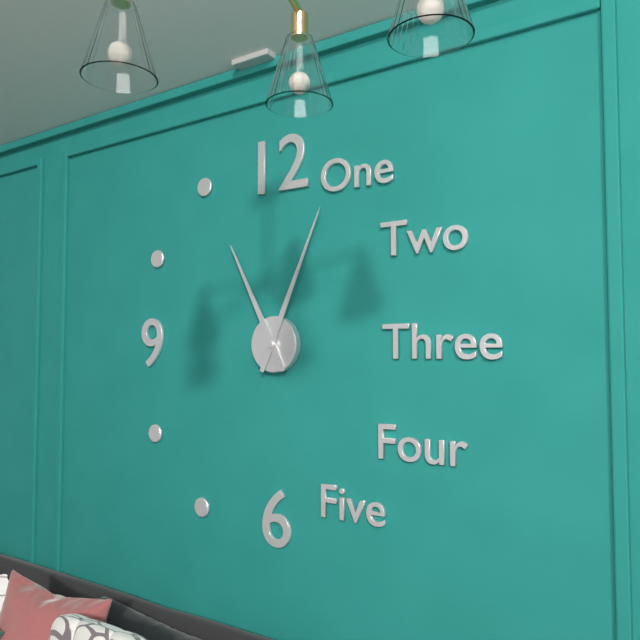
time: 11:04
